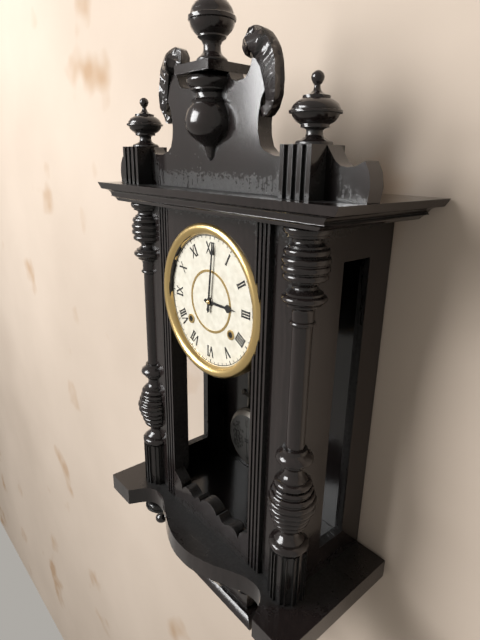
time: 3:01
